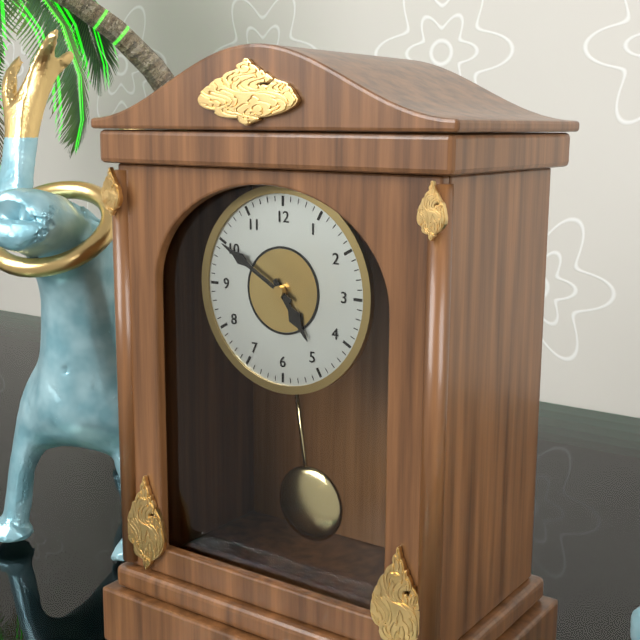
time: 4:50
